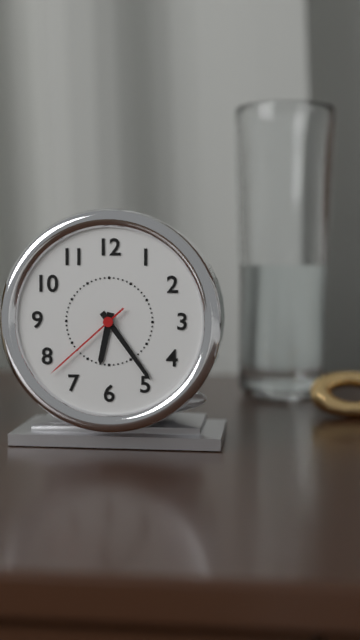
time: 6:24:38
